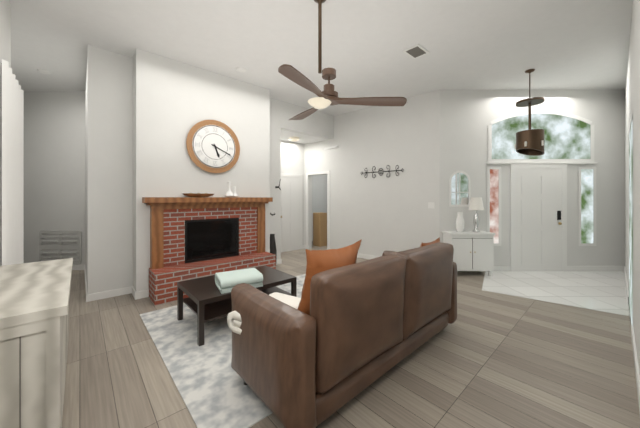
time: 5:19
